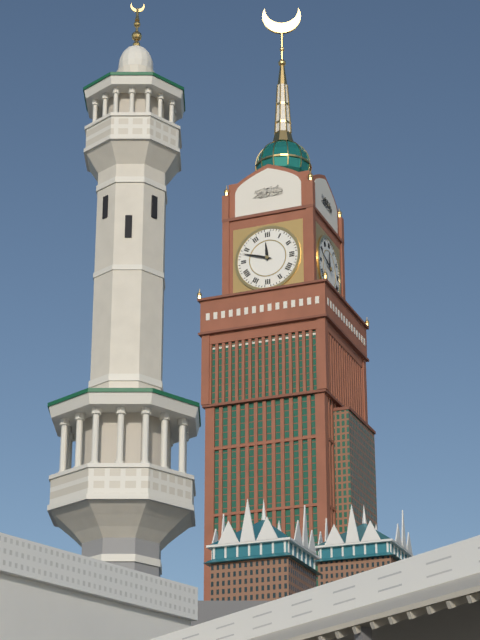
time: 11:48
